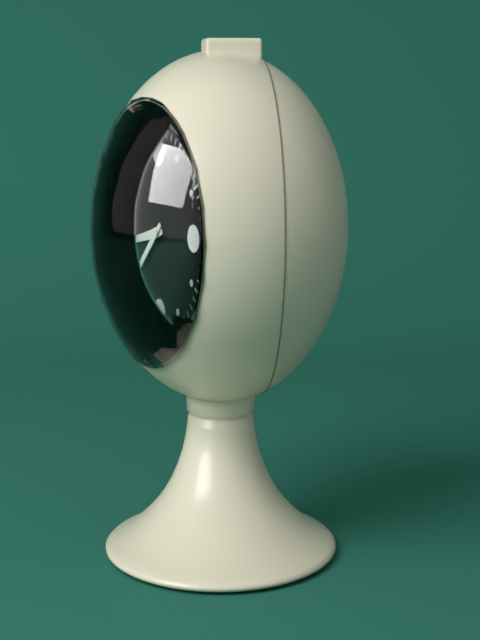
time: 8:38
